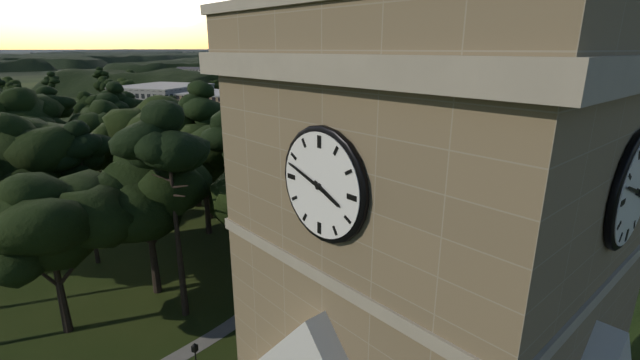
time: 3:48
